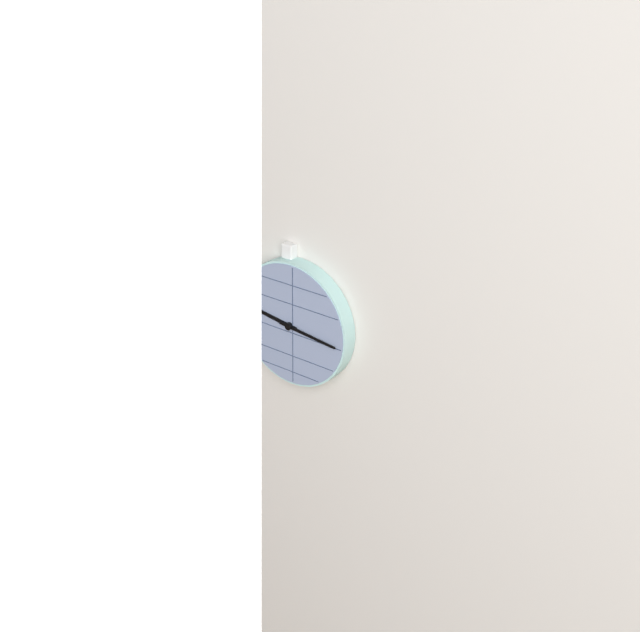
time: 9:16
